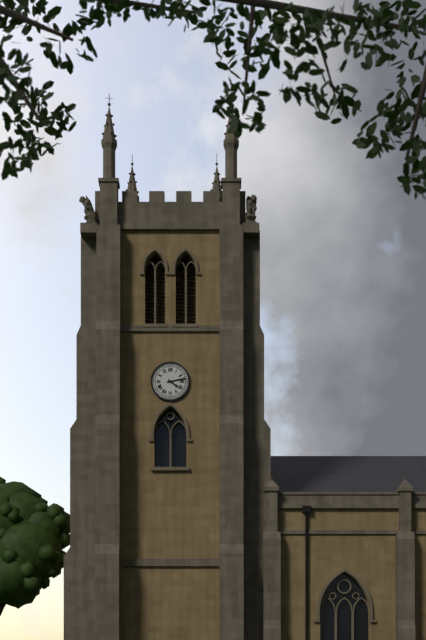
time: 4:13
